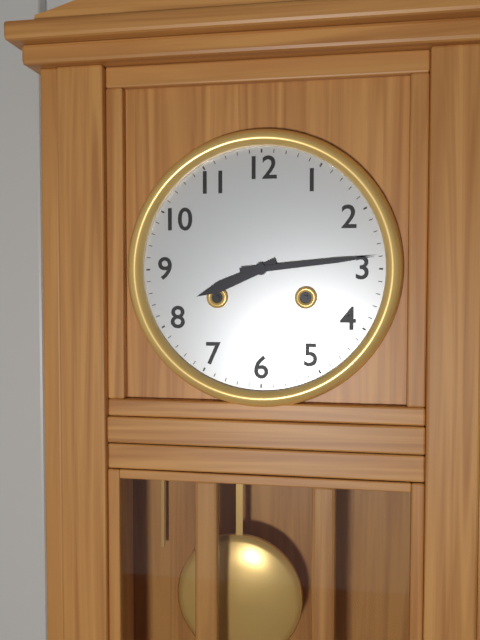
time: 8:14
